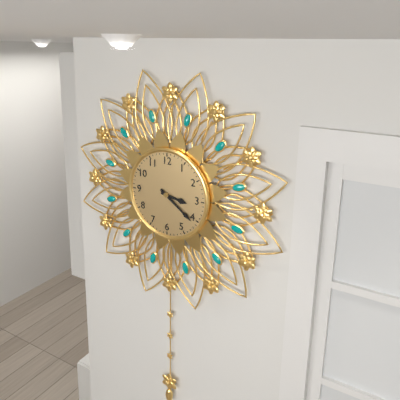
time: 3:21
